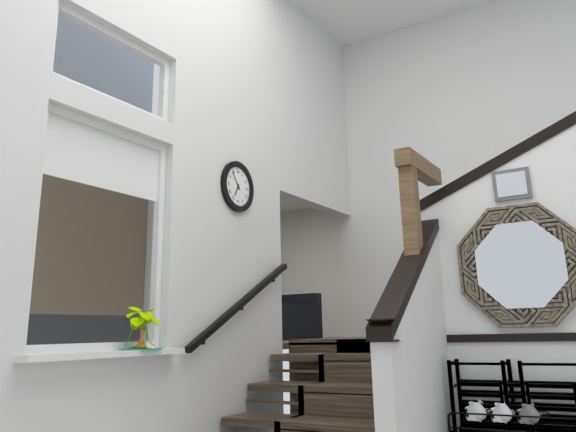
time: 6:54
